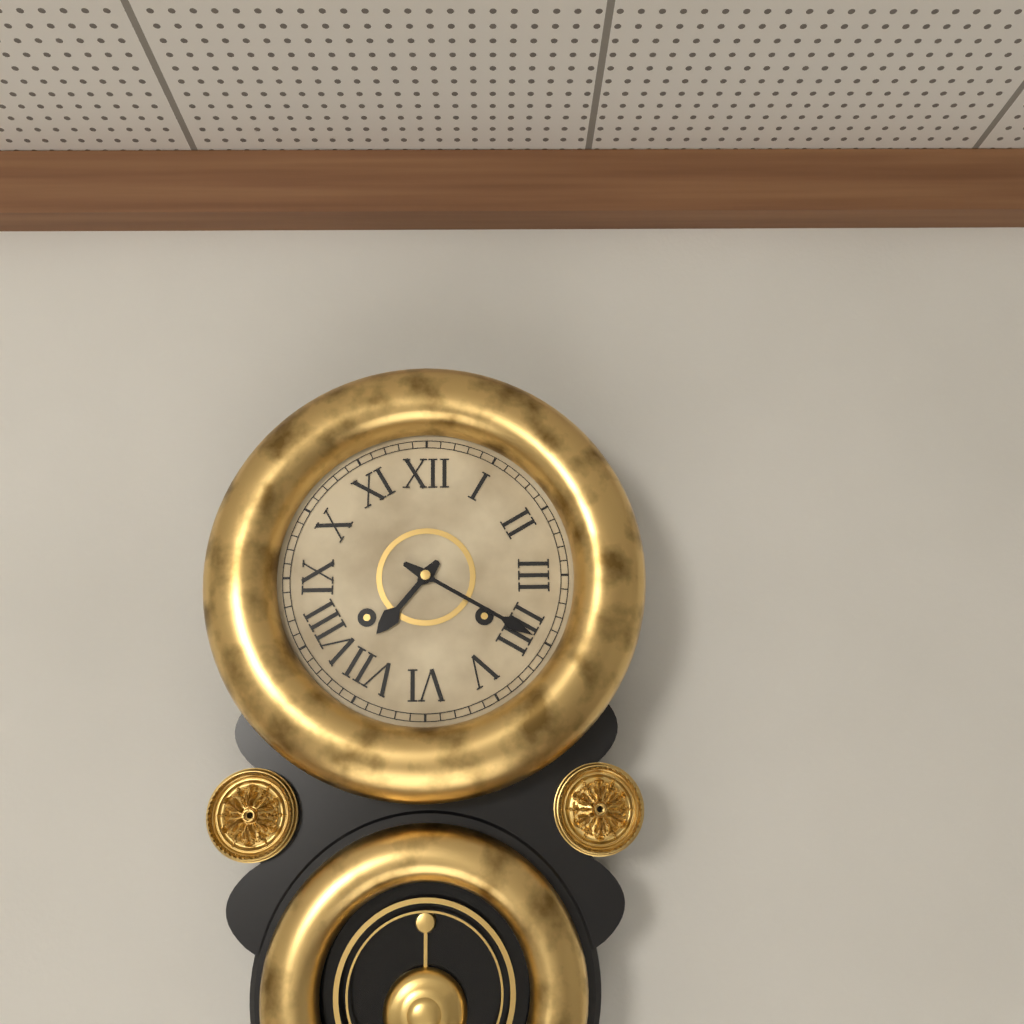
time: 7:20
